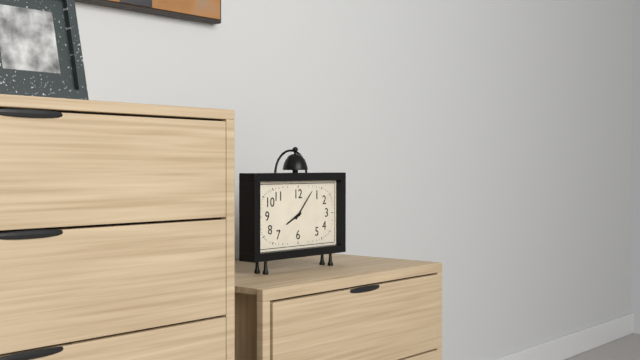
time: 8:07
